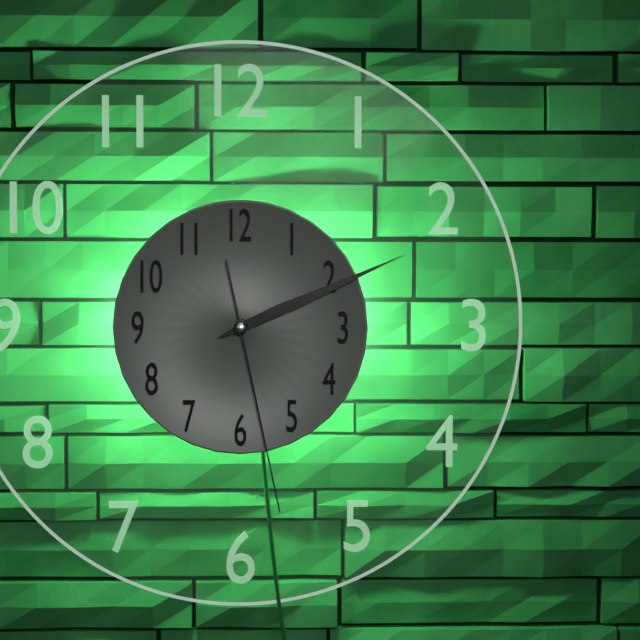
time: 2:11:28
